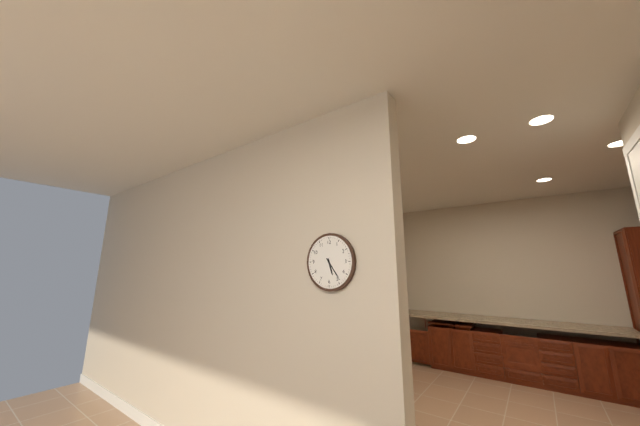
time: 5:24
